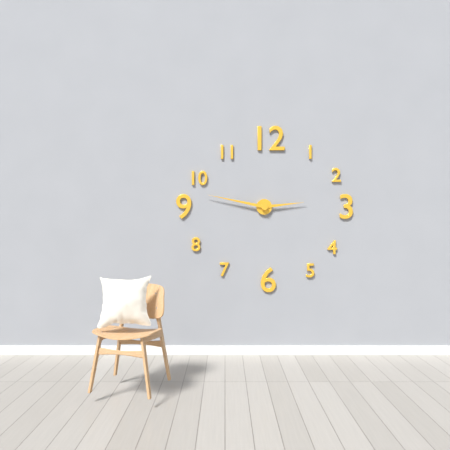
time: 2:47
